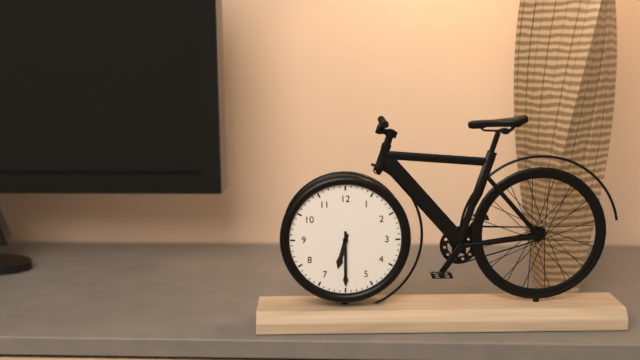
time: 6:30
